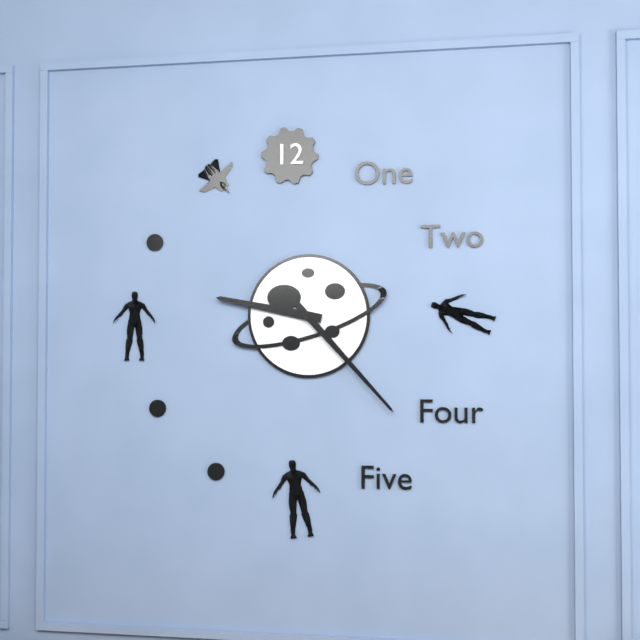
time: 9:23
